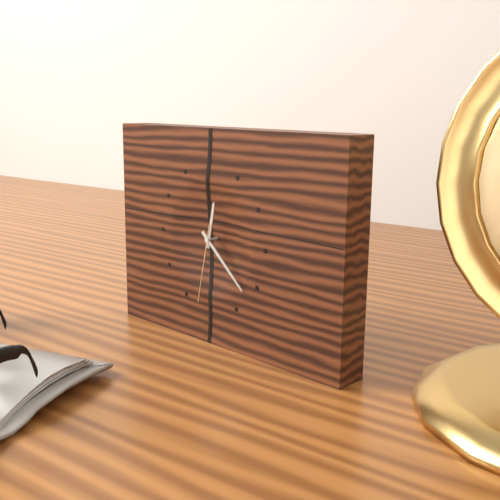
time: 12:22:32
